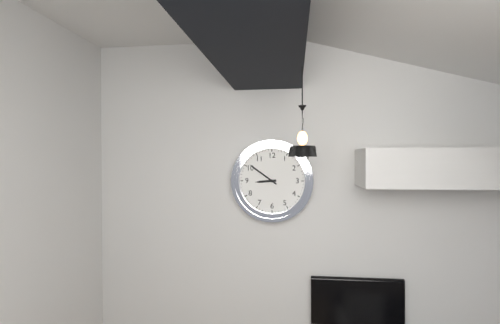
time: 8:51
